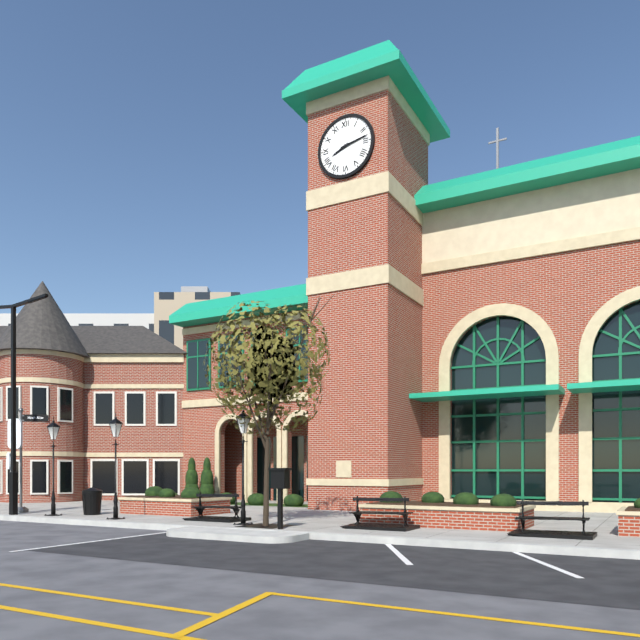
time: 8:13
